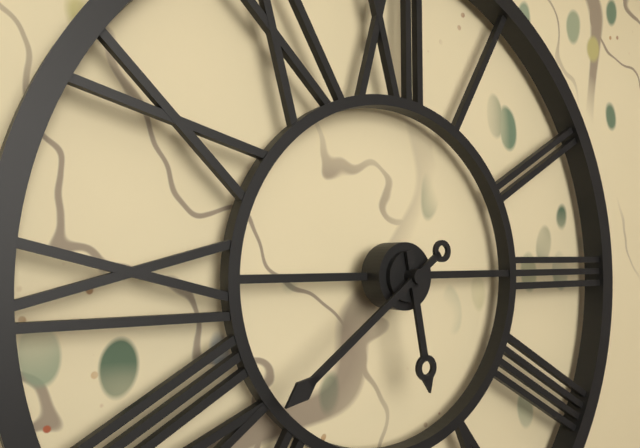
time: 5:39
